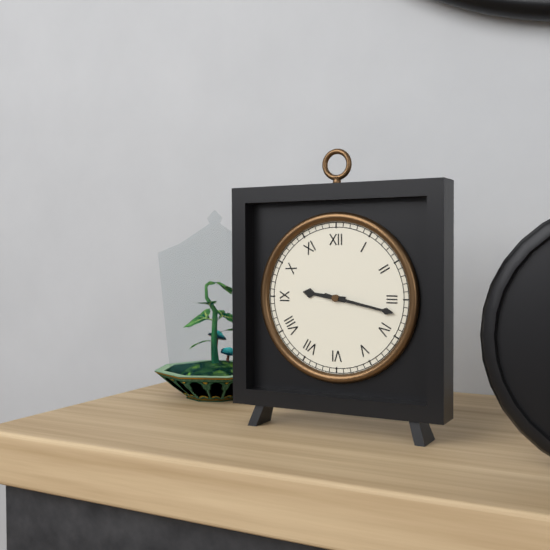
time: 9:17
